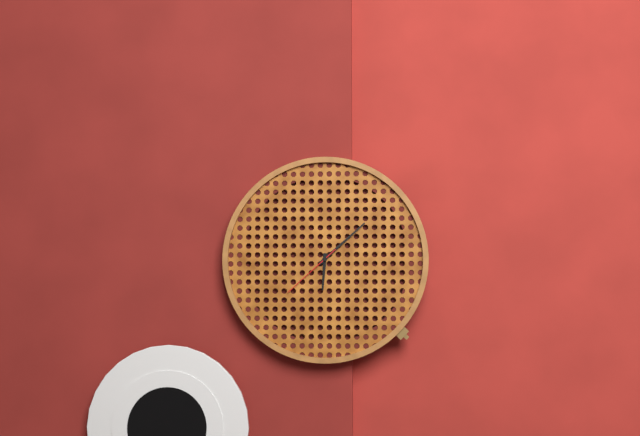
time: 6:08:38
